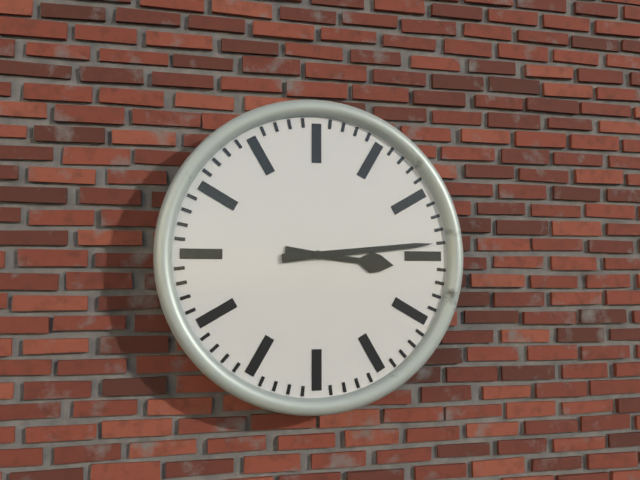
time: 3:14
